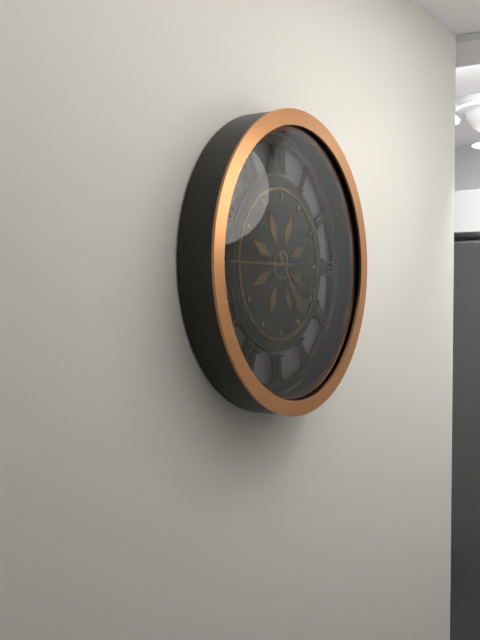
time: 4:45
